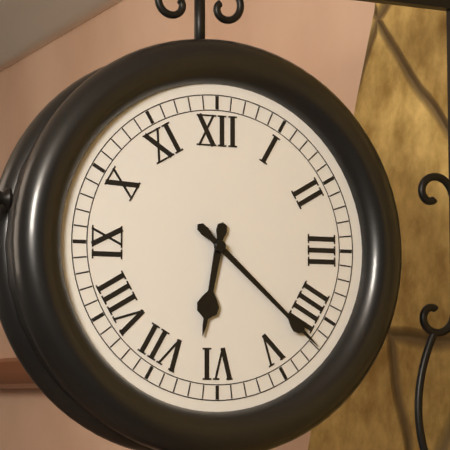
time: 6:22
